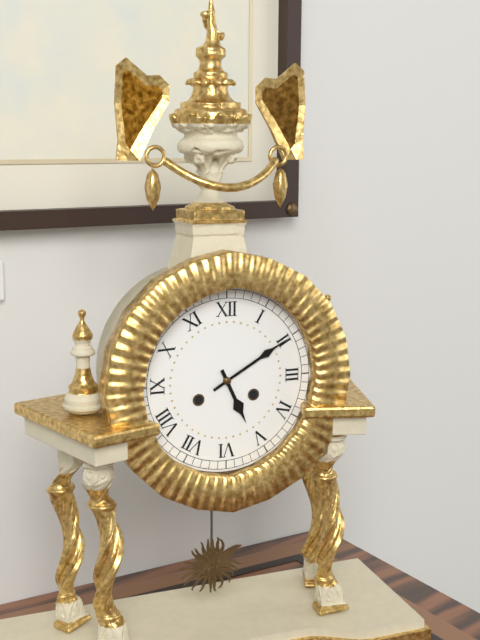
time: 5:10
